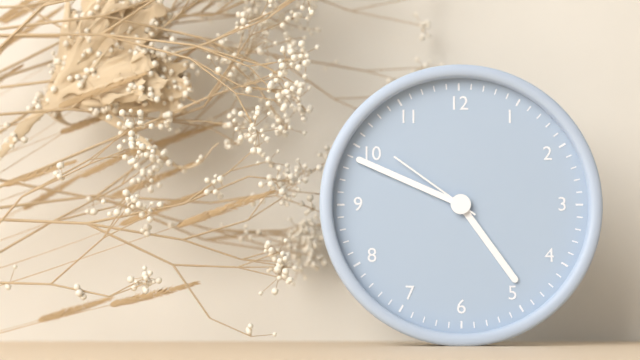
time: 4:49:51
